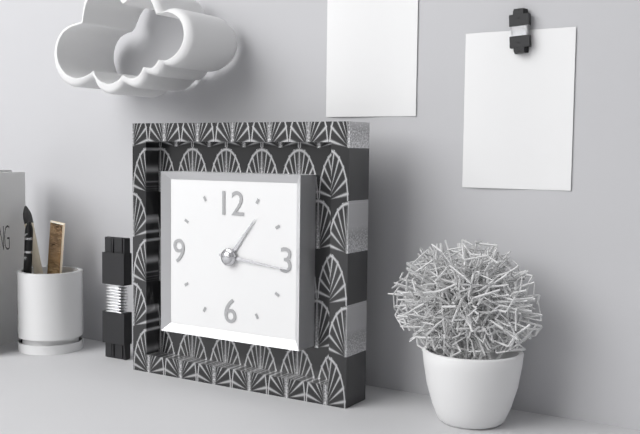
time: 1:16
